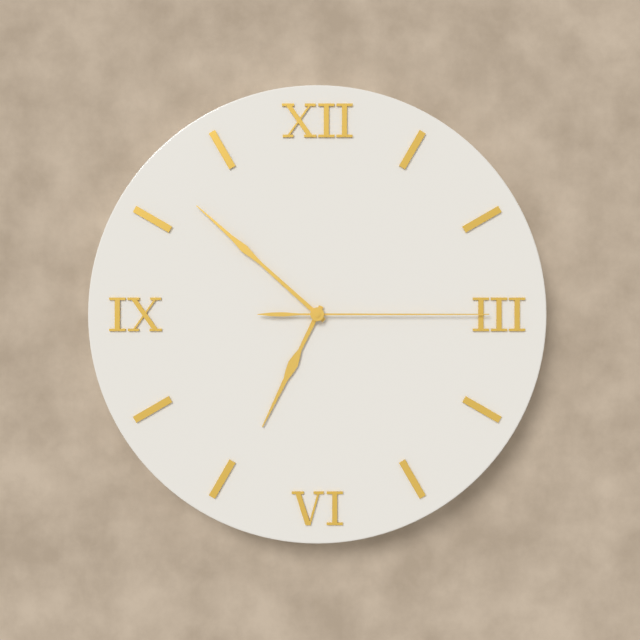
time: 6:52:15
